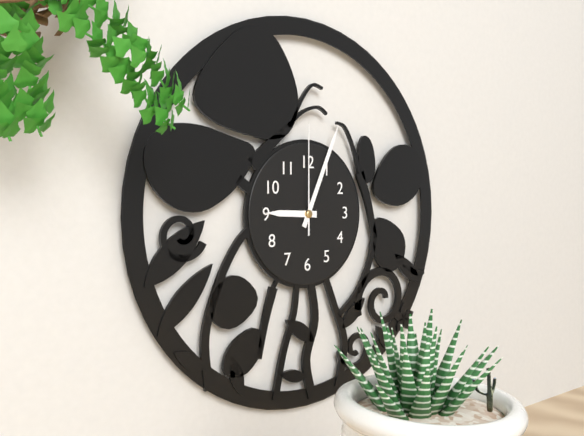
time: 9:04:00
